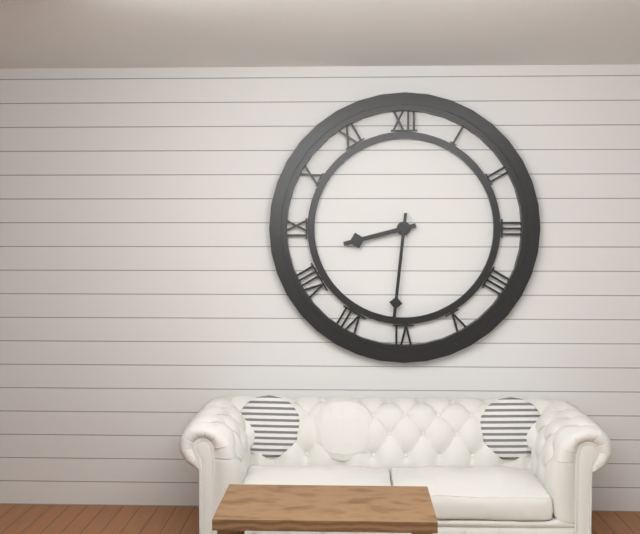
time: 8:31
